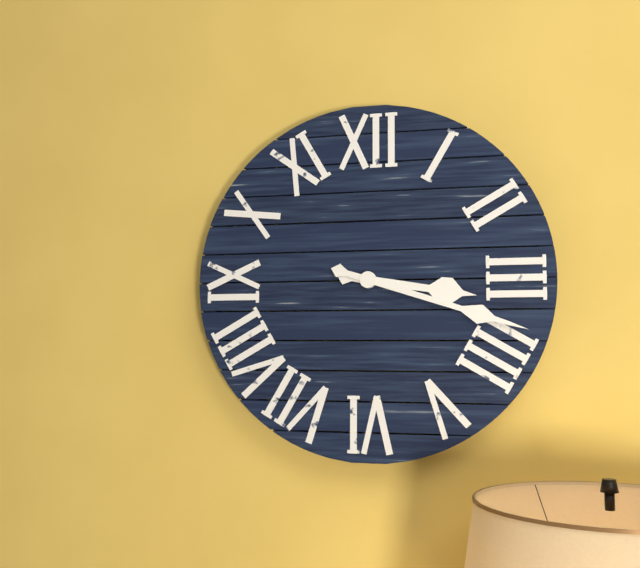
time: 3:18
